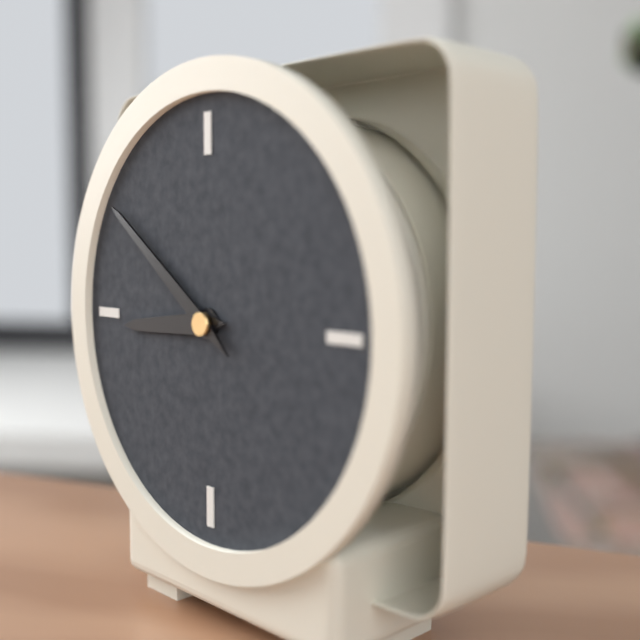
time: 8:51
